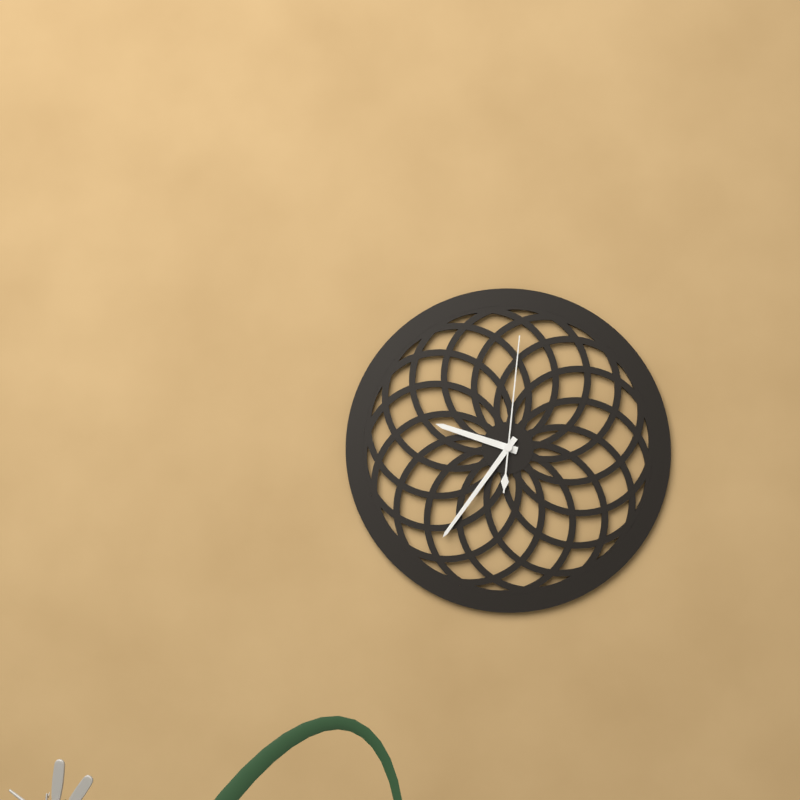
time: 9:36:01
